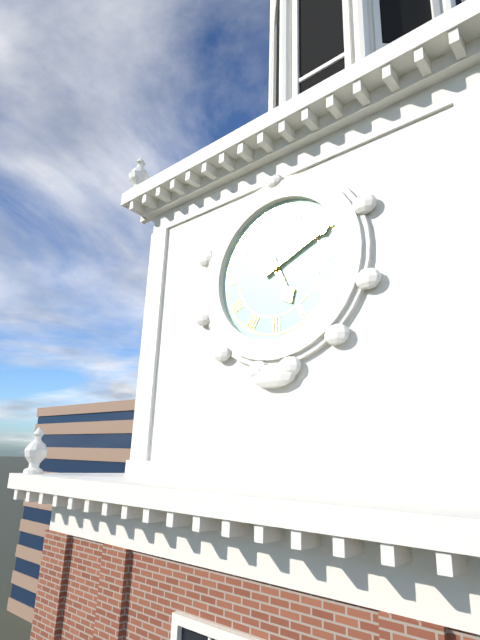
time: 5:11
